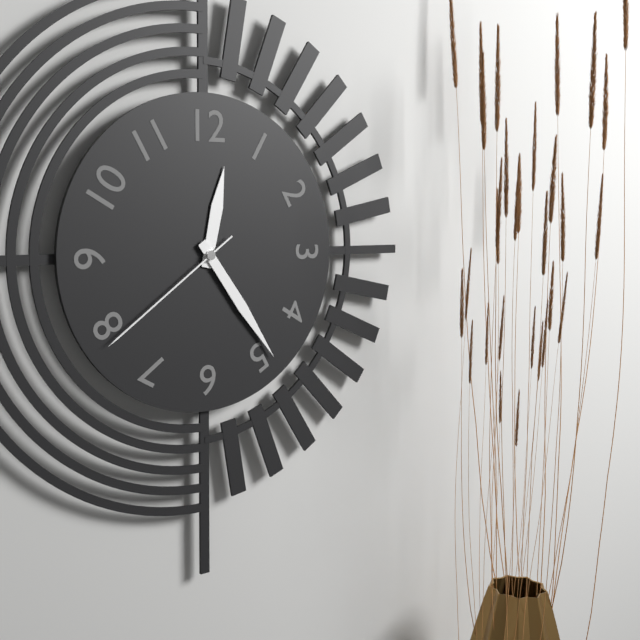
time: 12:24:39
